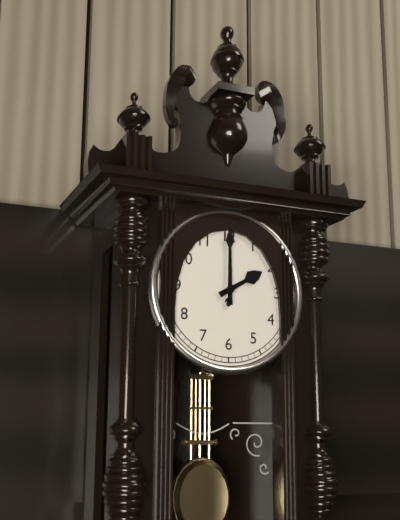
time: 2:00
